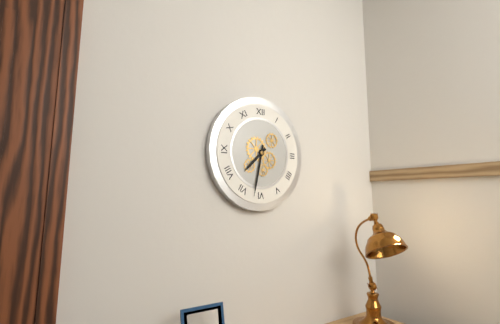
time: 7:32
